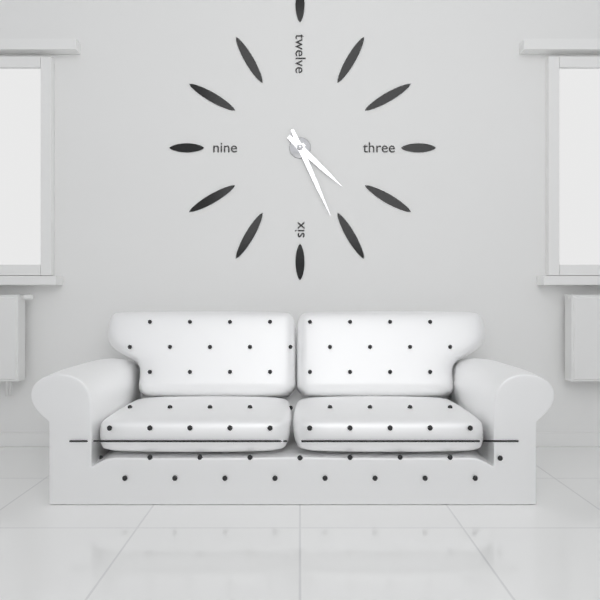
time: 4:26
